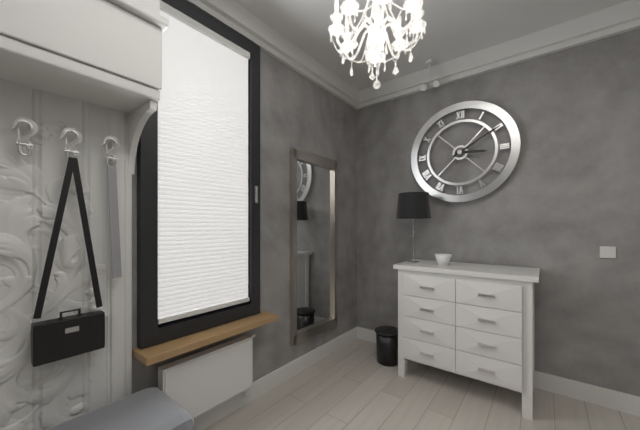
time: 3:10
